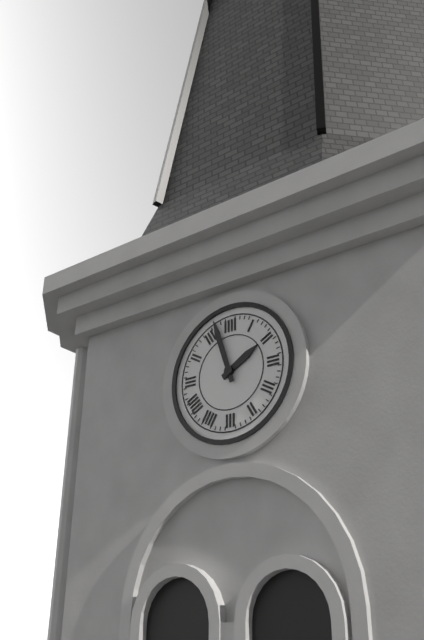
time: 1:57
